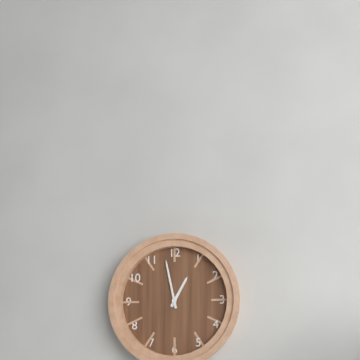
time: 12:58
